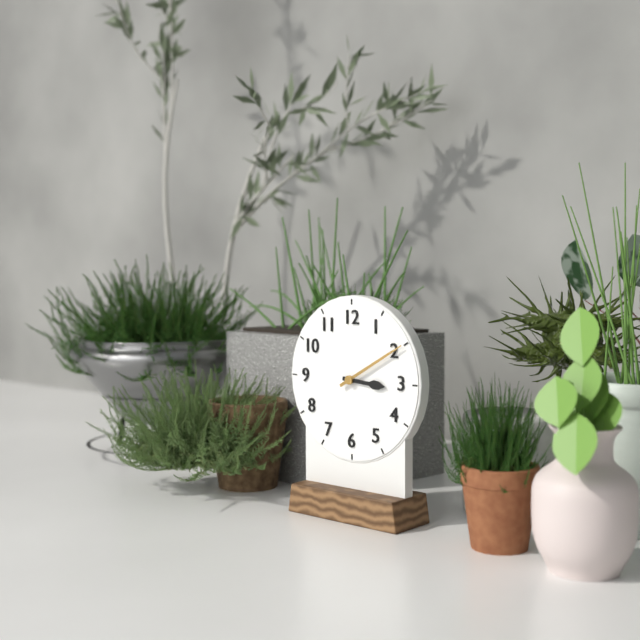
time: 3:10
